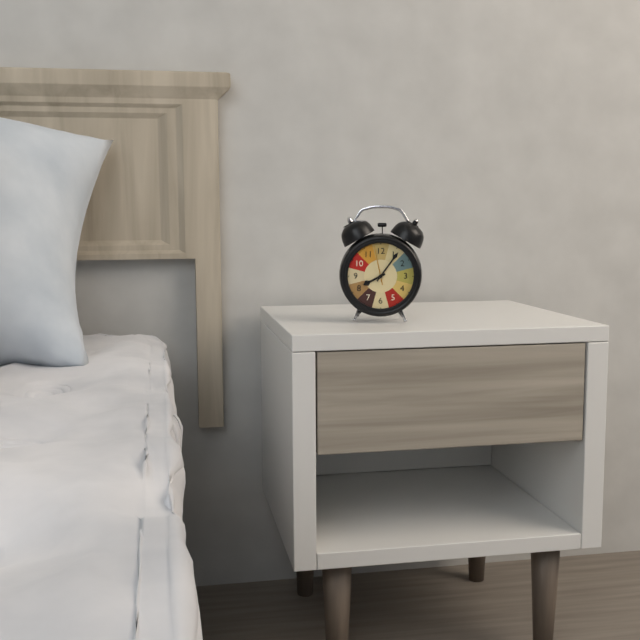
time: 8:06
